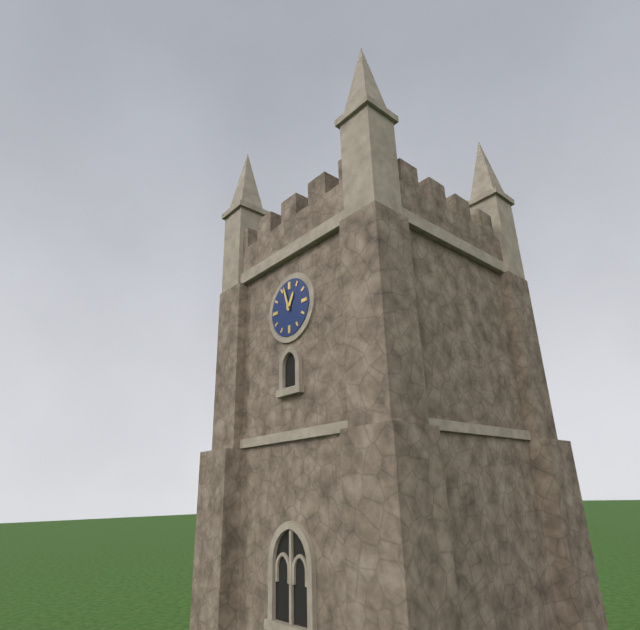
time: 12:57
